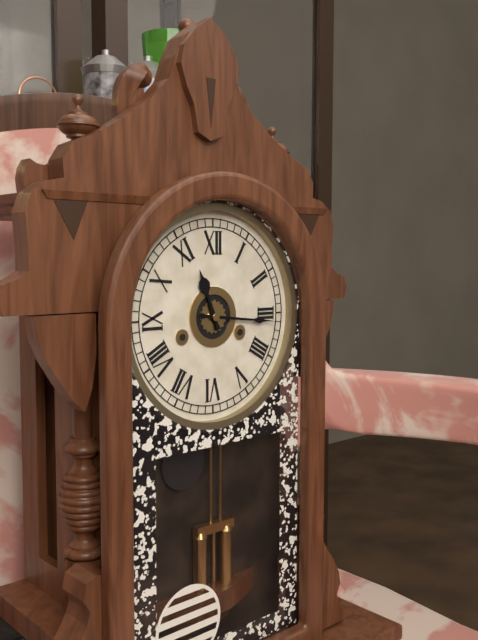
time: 11:16
